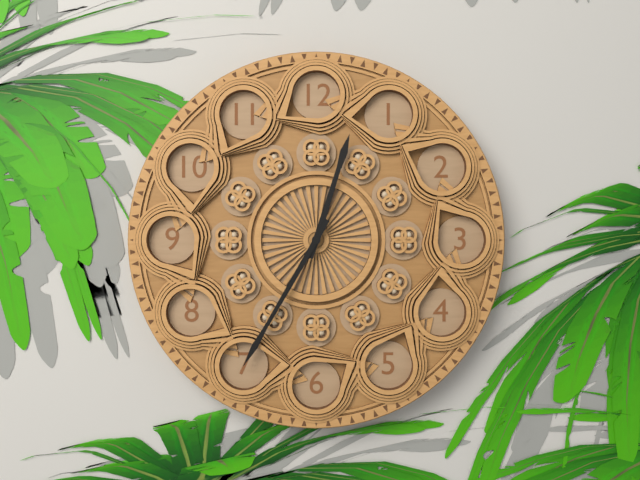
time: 12:35
